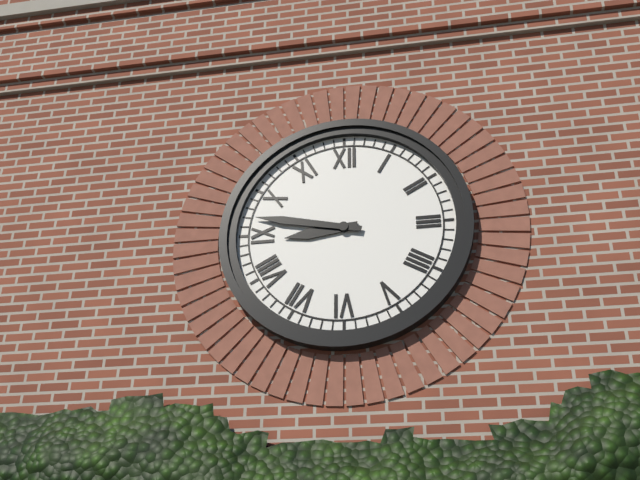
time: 8:47
